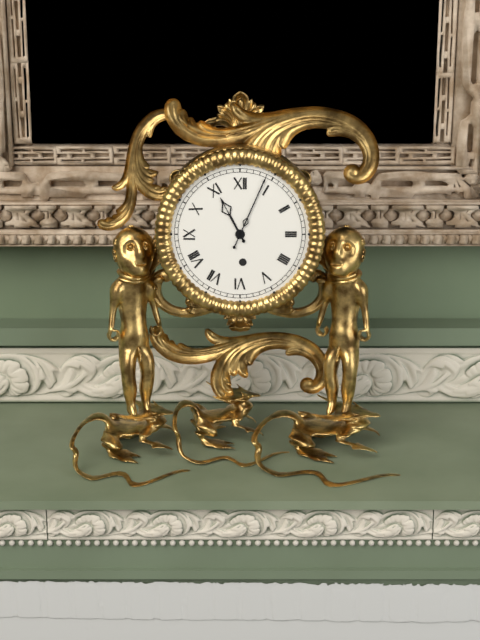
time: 11:04
